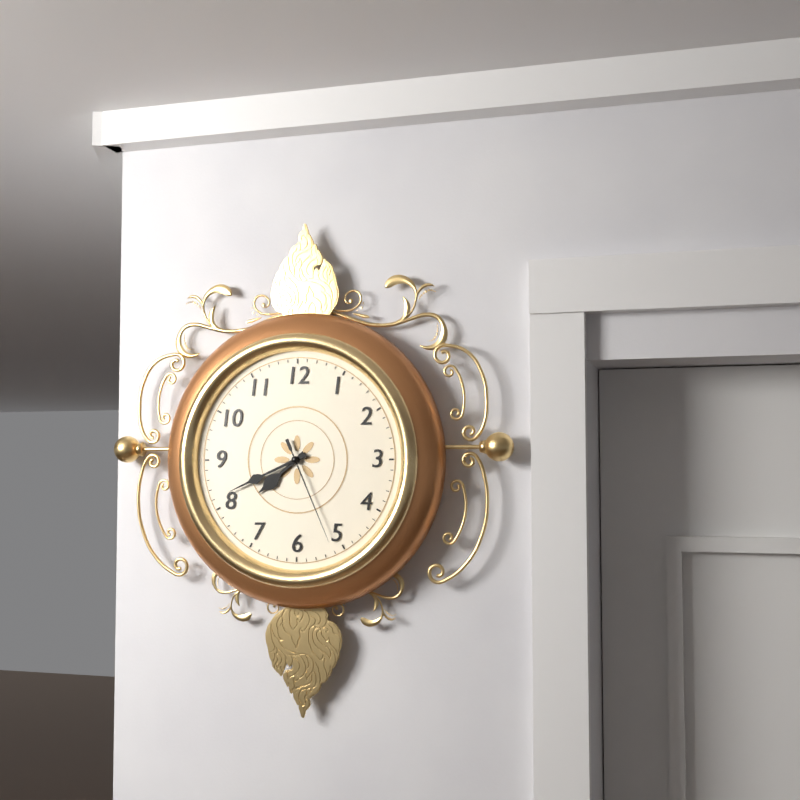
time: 7:41:26
